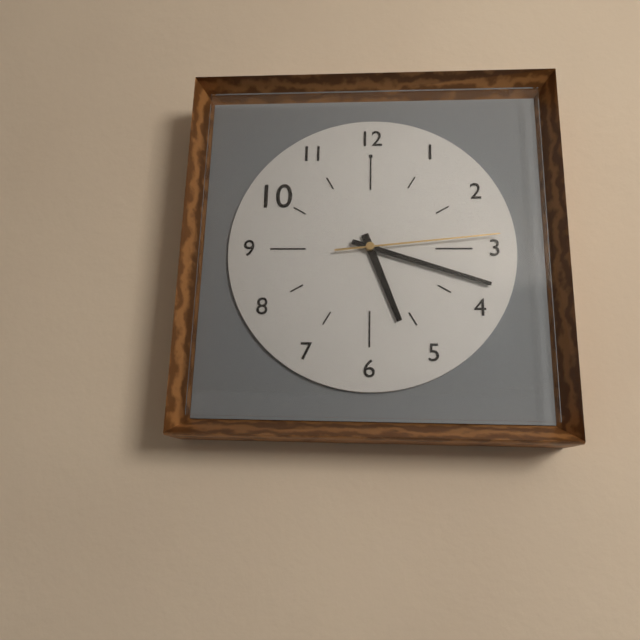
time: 5:18:14
